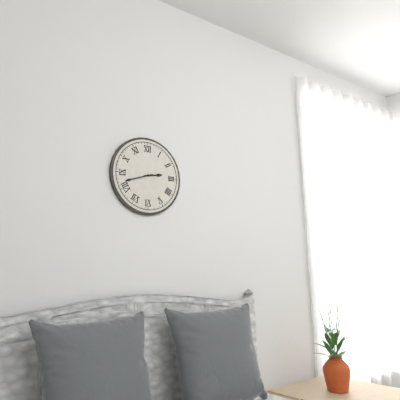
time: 2:42
